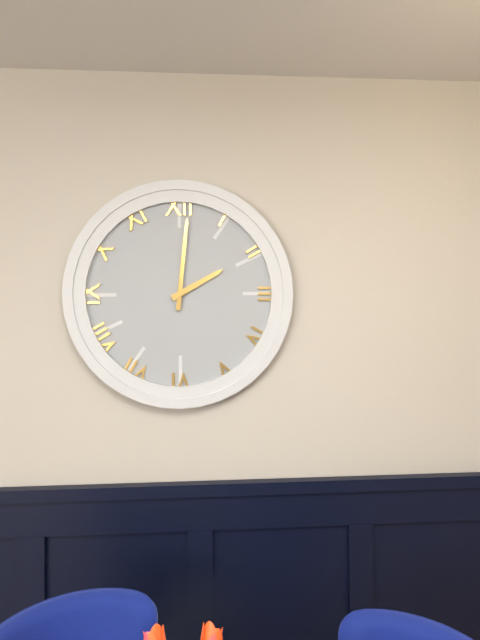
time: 2:01
